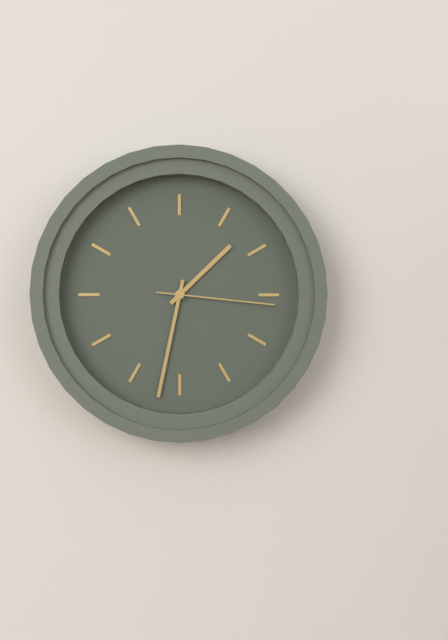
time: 1:32:16
